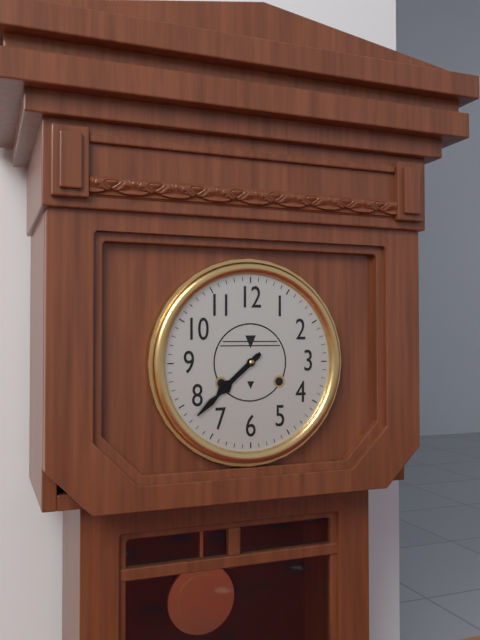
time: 7:38
